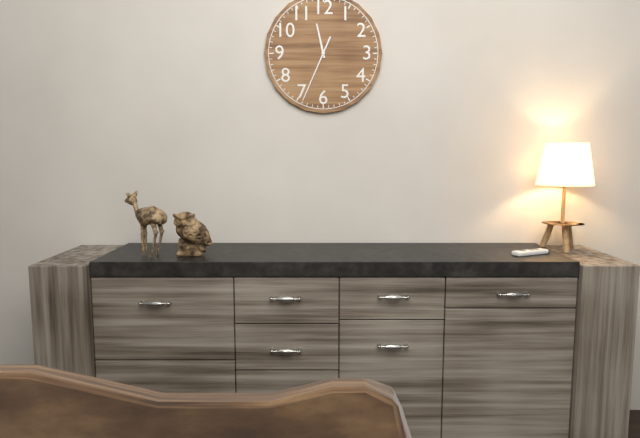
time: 11:34
